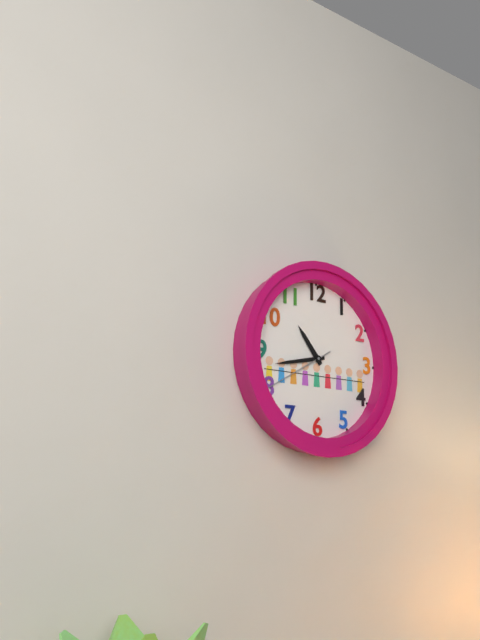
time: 10:43:40
